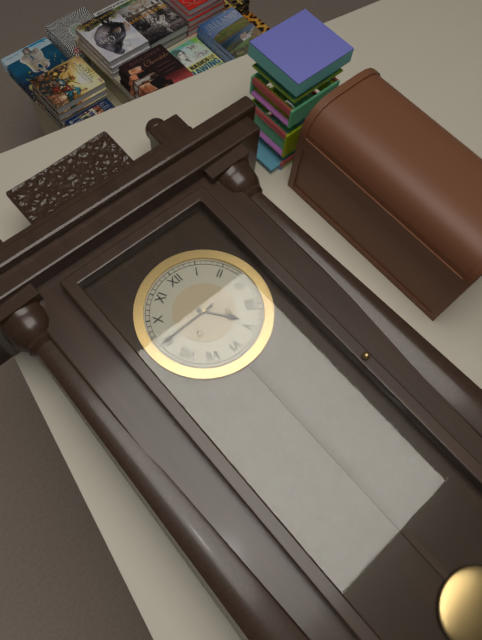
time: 4:45
